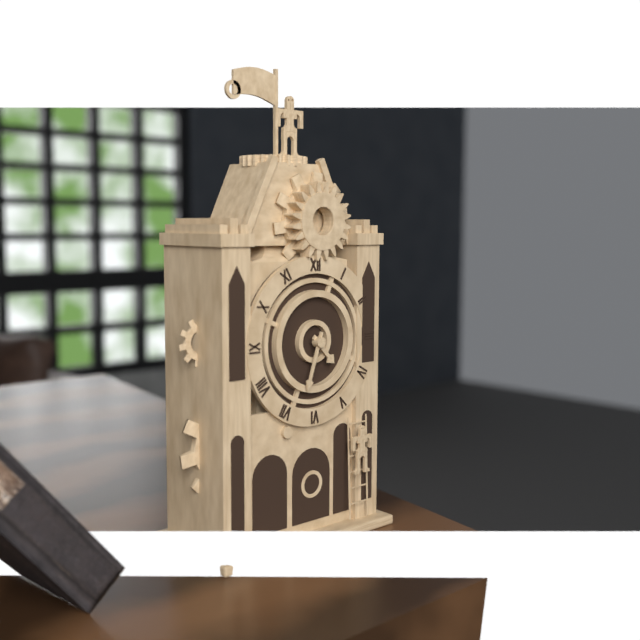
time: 4:33
